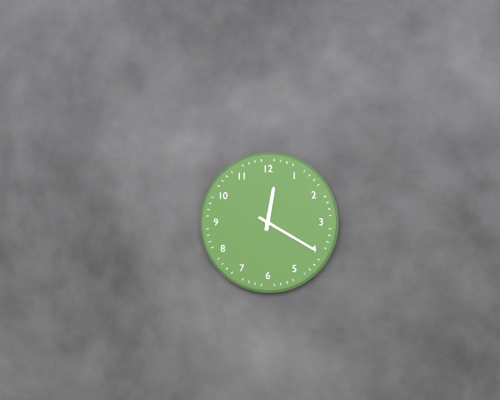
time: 12:20
